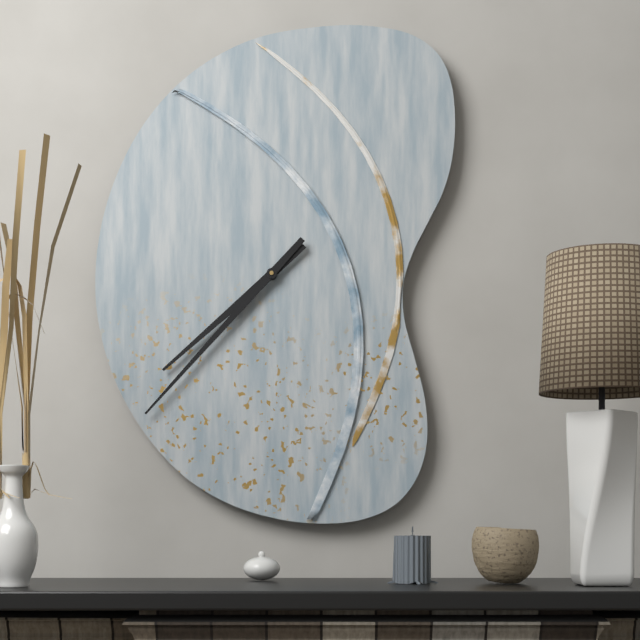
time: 7:37
